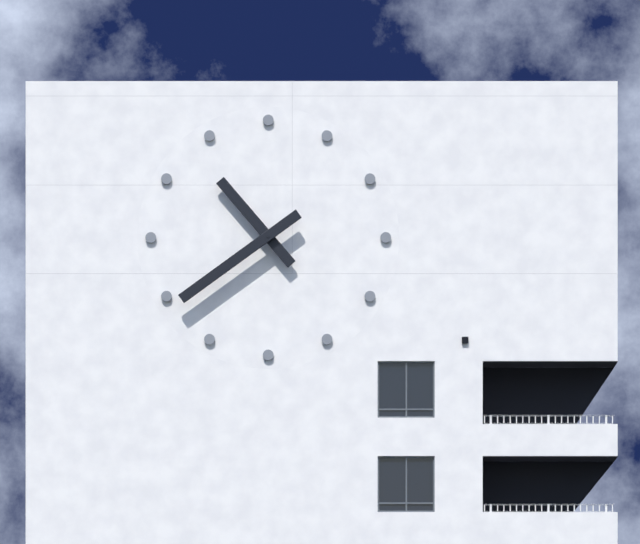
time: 10:39
